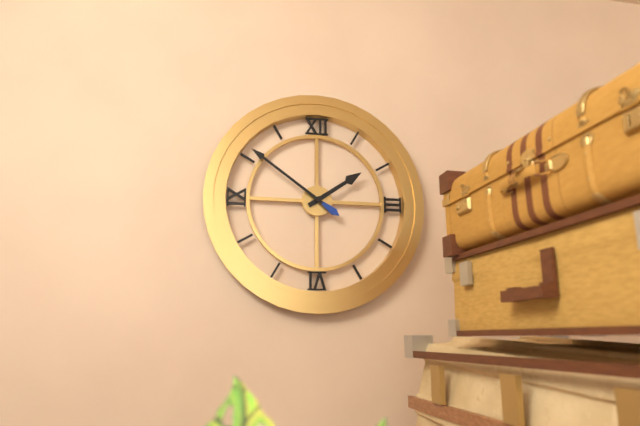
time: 1:51
